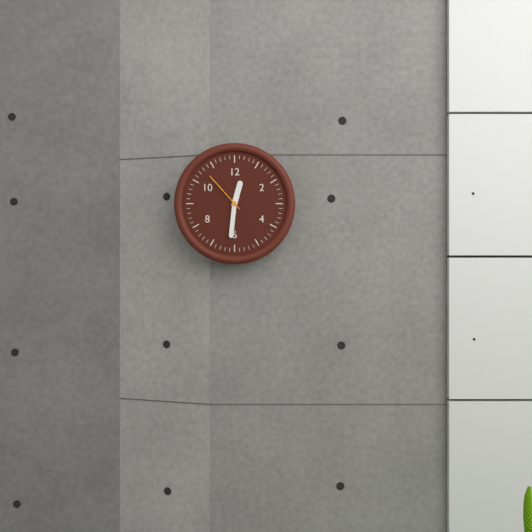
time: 12:31
